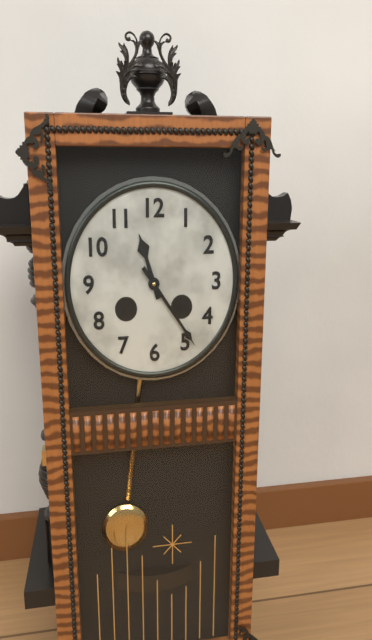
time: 11:24
